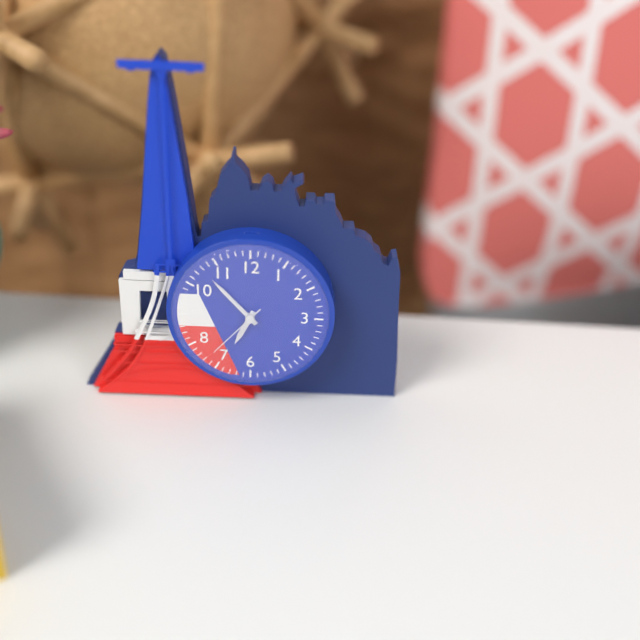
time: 6:53:37
